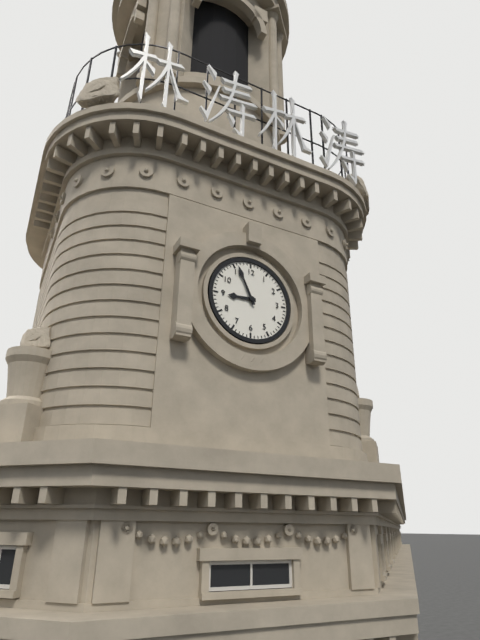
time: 8:56
